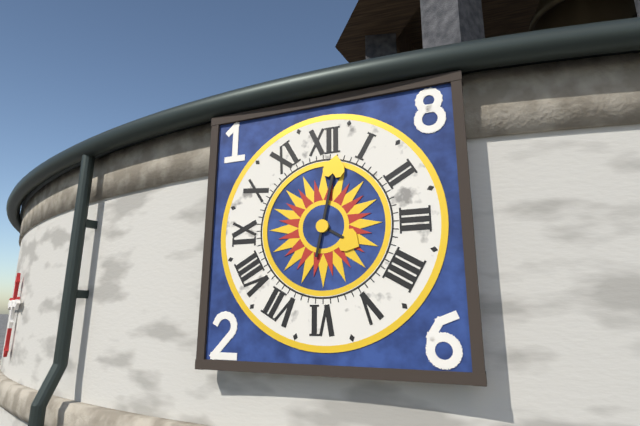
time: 4:02
